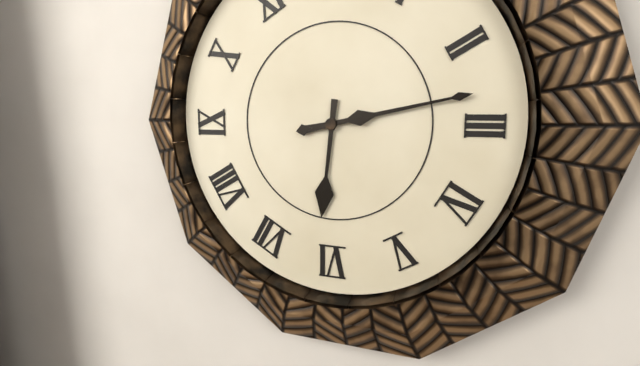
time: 6:13
